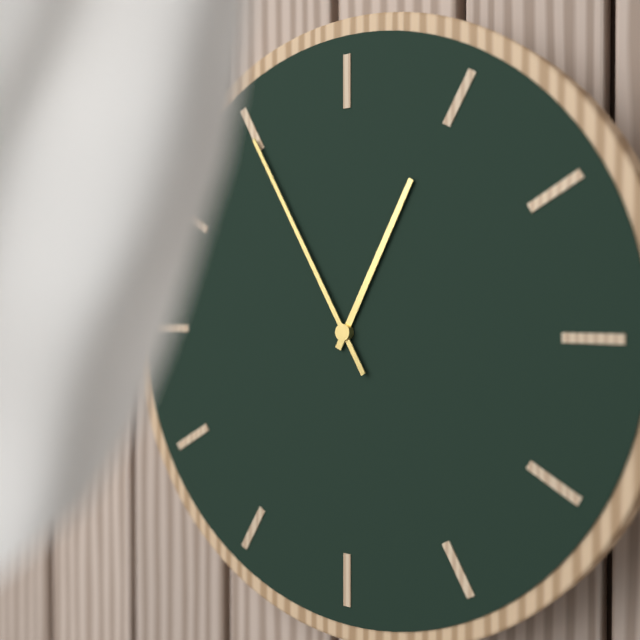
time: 12:55
